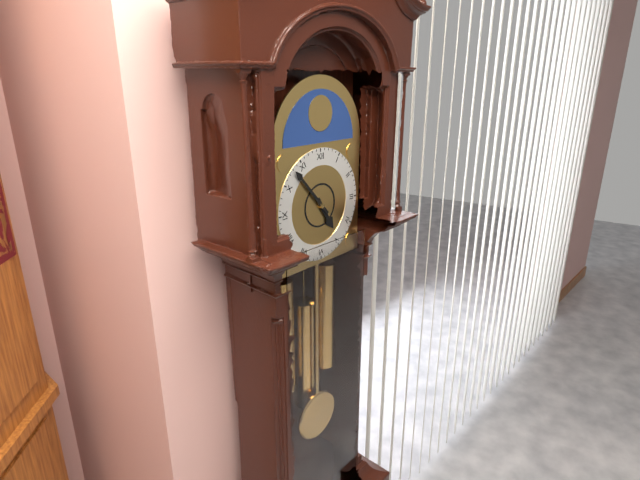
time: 4:53
